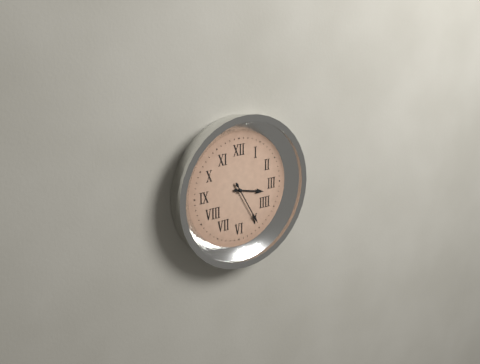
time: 3:25
